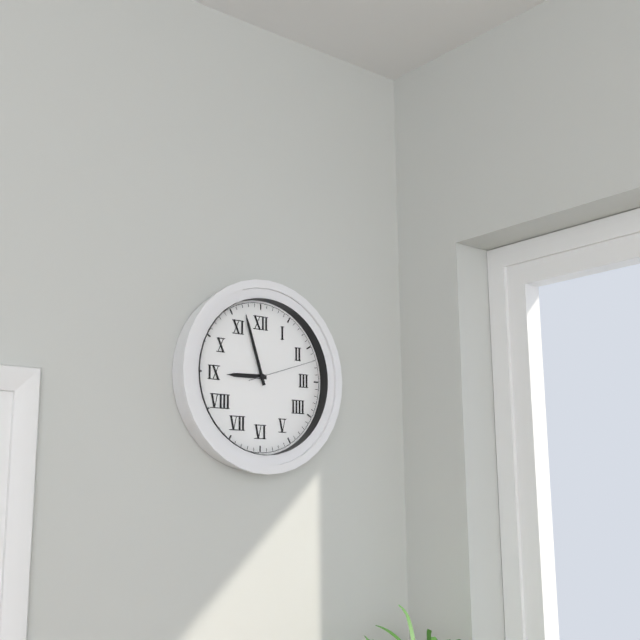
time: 8:57:12
